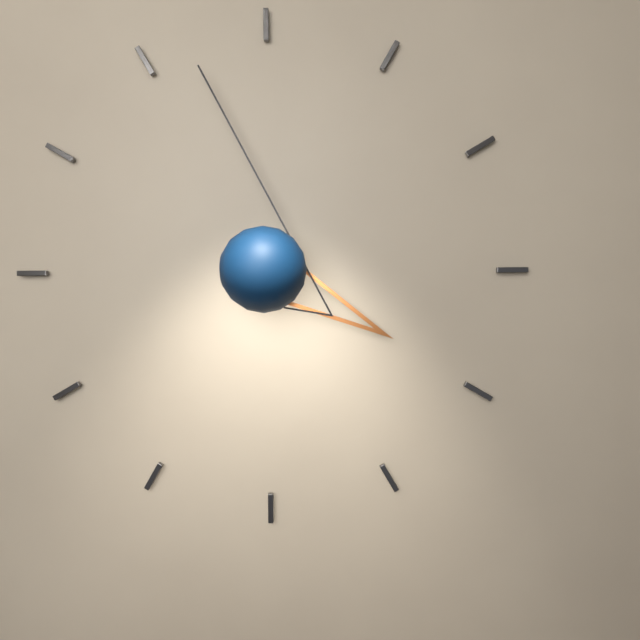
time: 3:57
